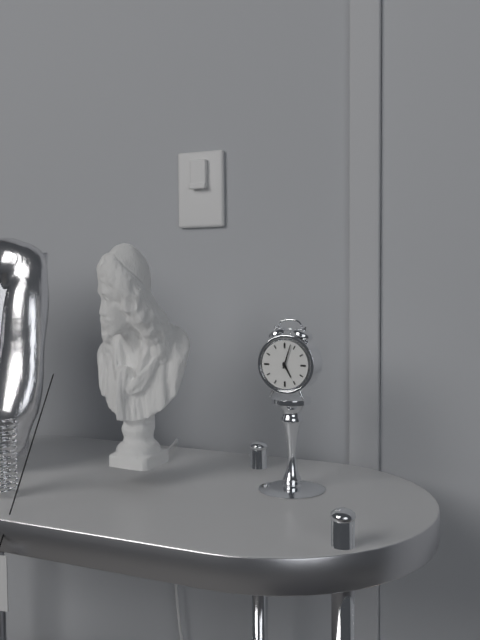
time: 5:03
